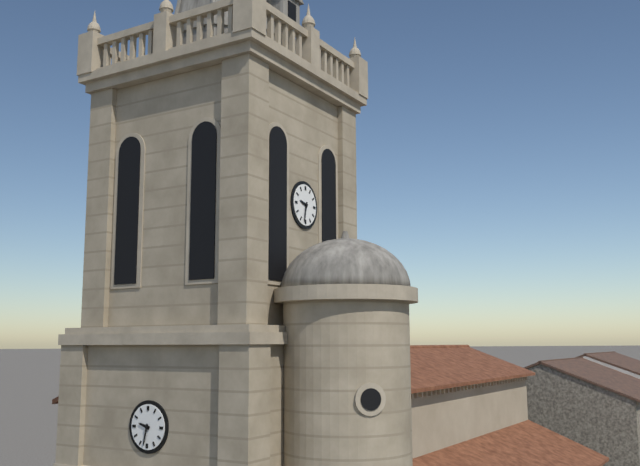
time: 9:32
